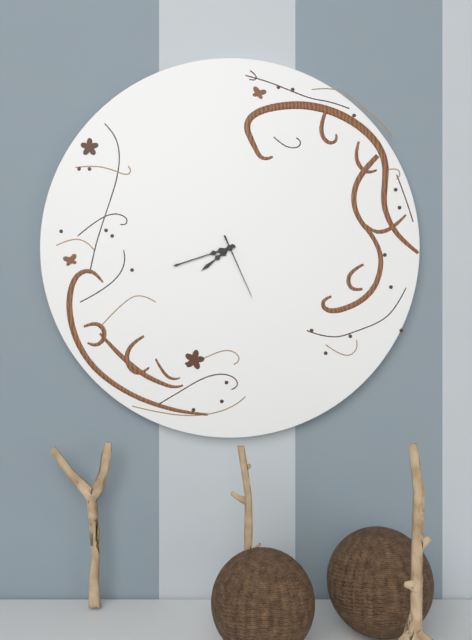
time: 7:42:26
